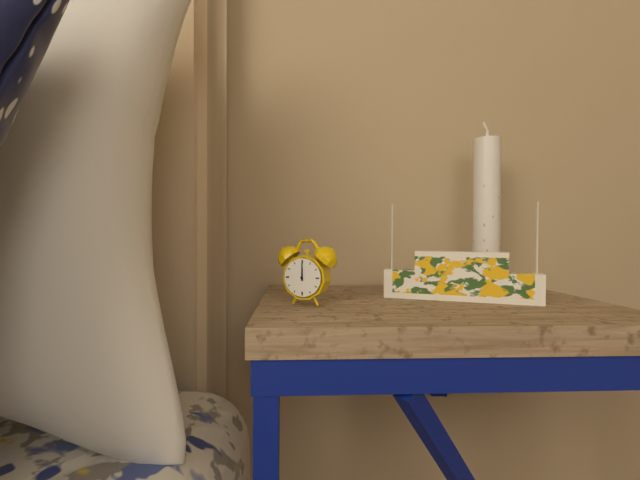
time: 12:00
